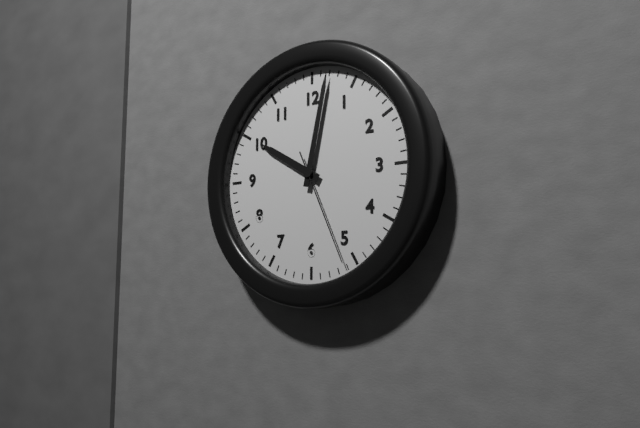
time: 10:02:26
